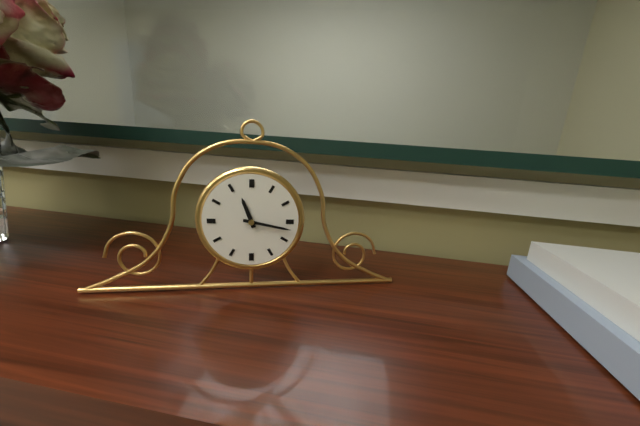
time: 11:17
